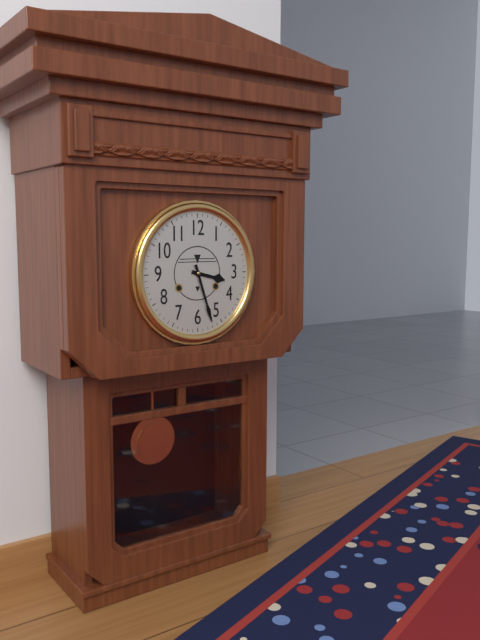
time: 3:27
